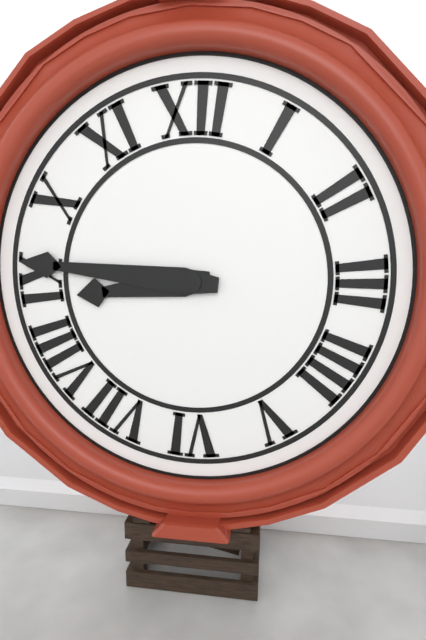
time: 8:46
